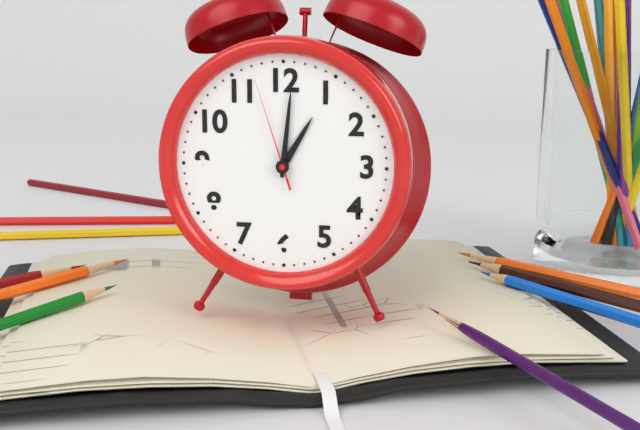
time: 1:01:57
